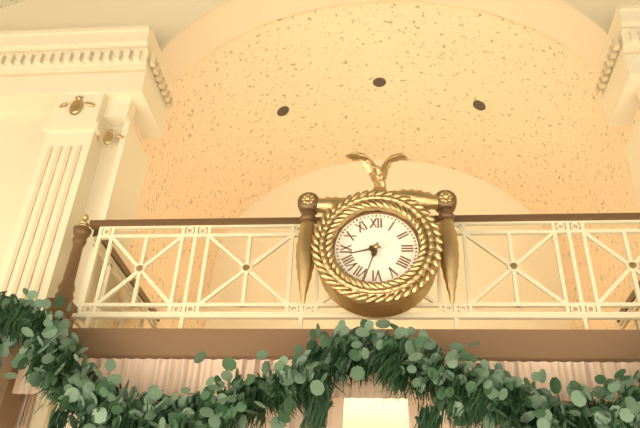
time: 8:33
